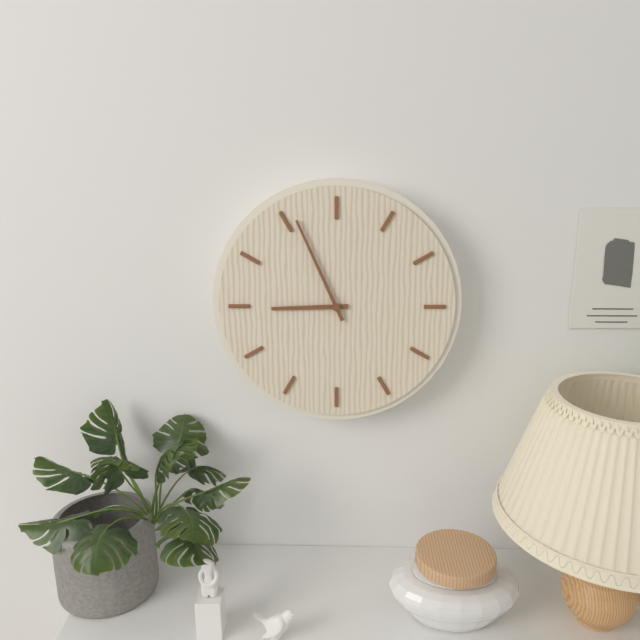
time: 8:56
